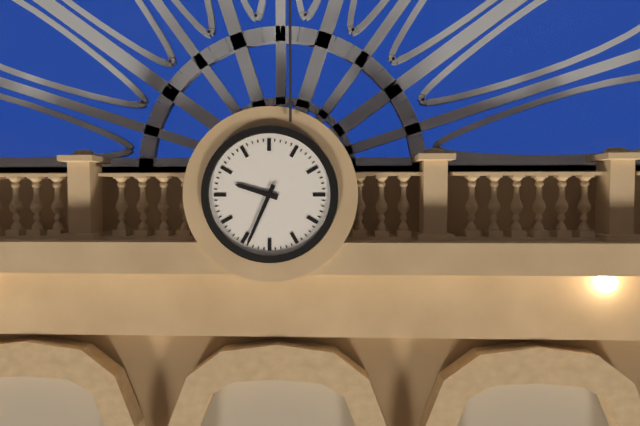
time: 9:34
